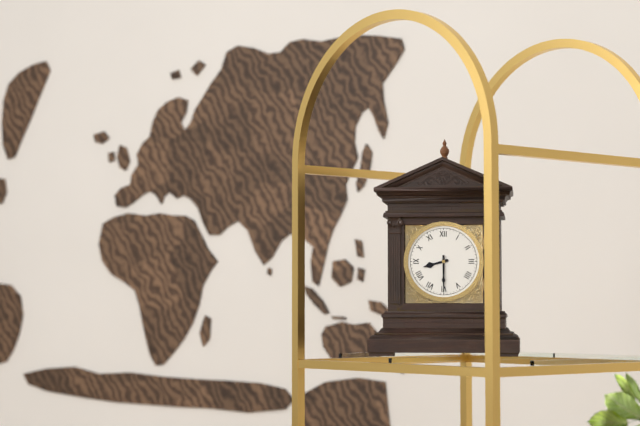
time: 8:30
